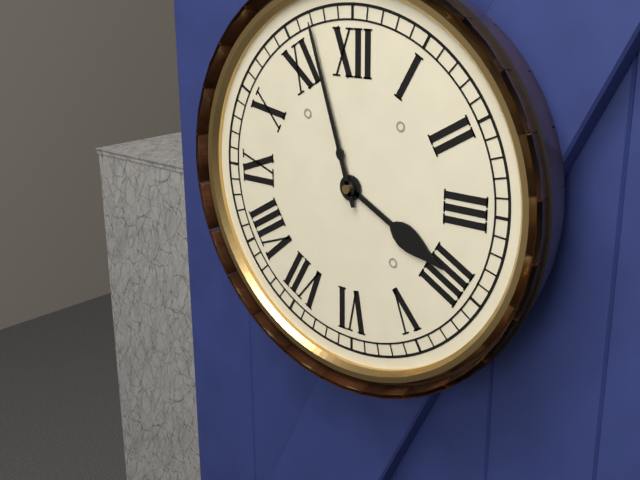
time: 3:57
